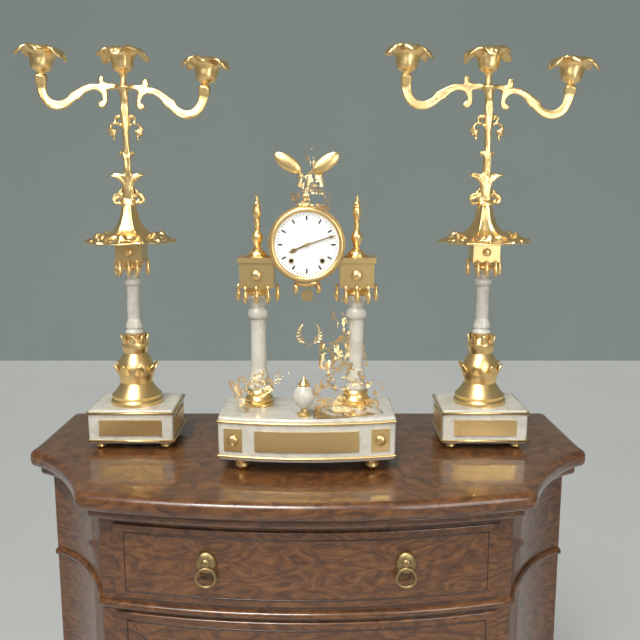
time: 8:12
